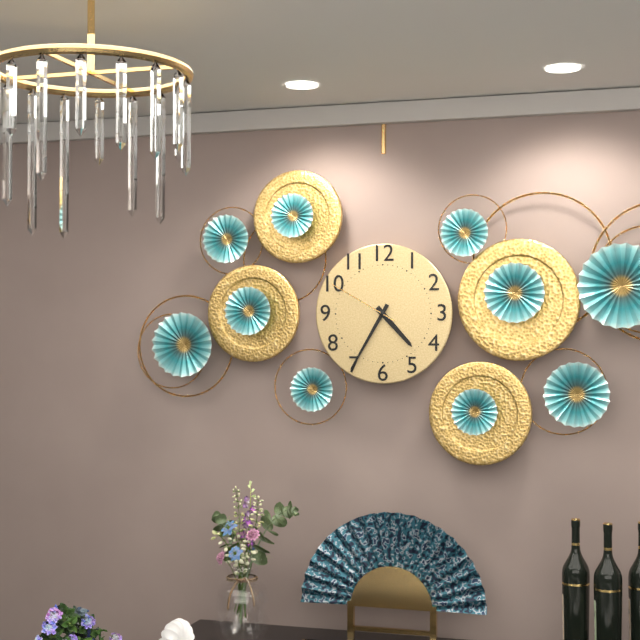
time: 4:35:50
